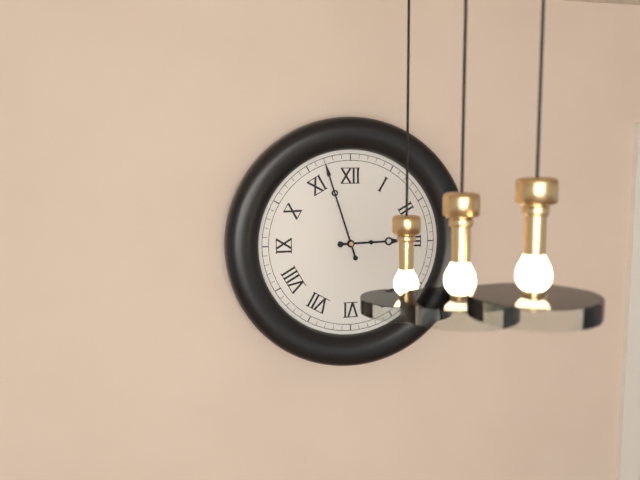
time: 2:57
